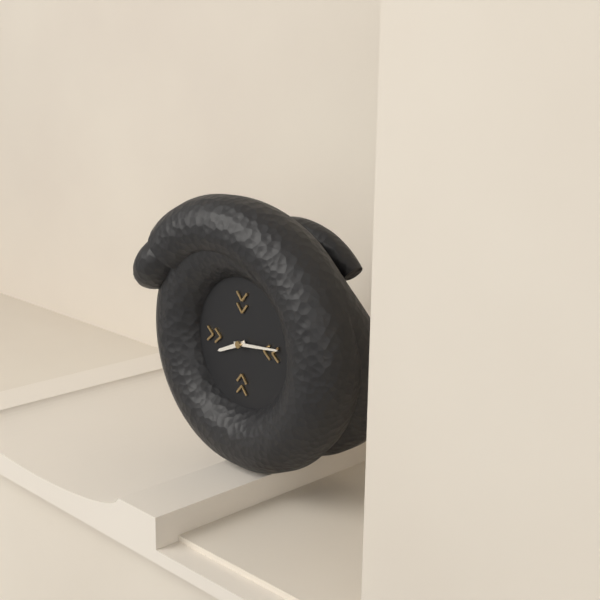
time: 8:14
